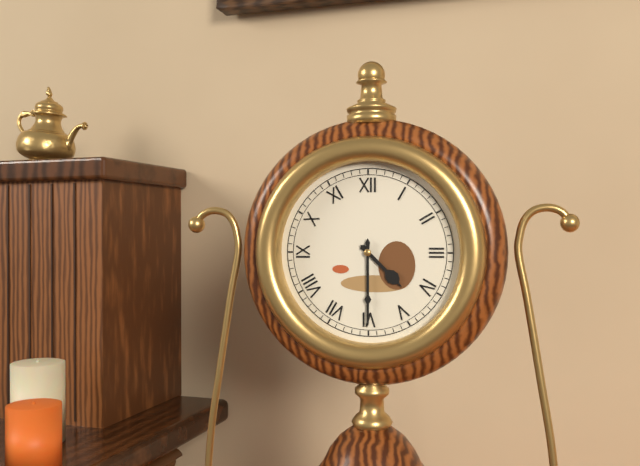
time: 4:30
